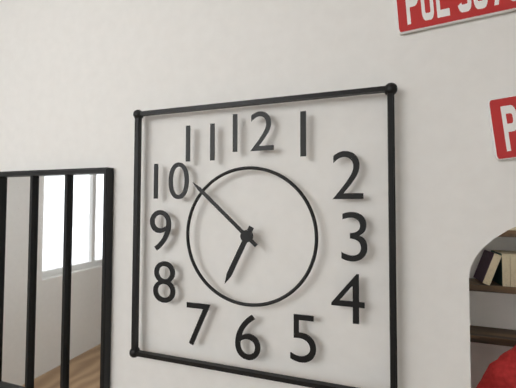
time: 6:52
